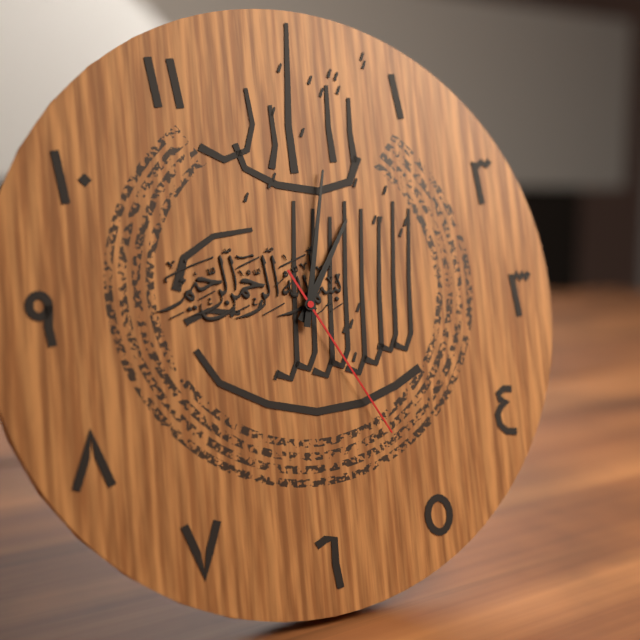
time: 1:02:25
